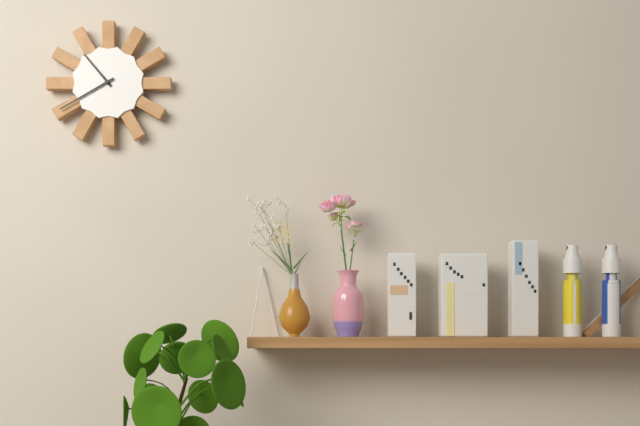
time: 10:40
